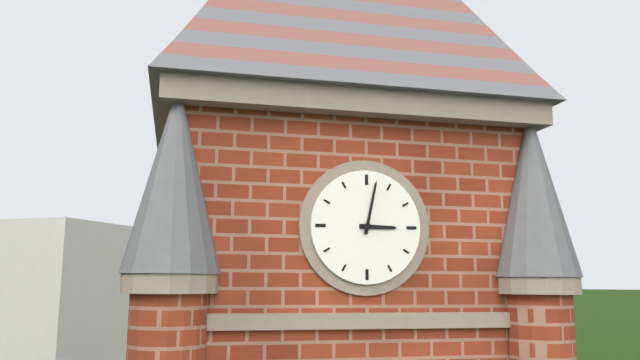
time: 3:02
